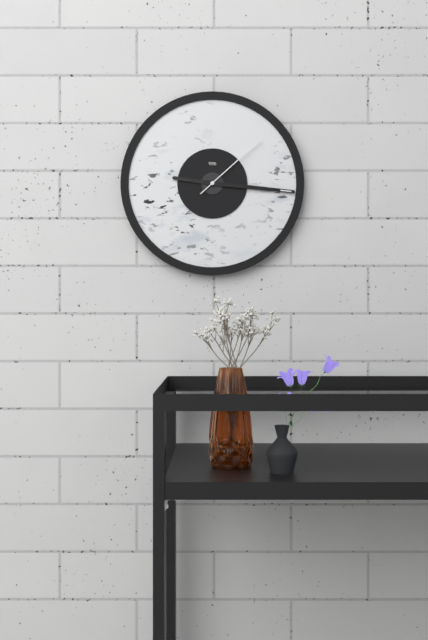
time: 9:16:08
